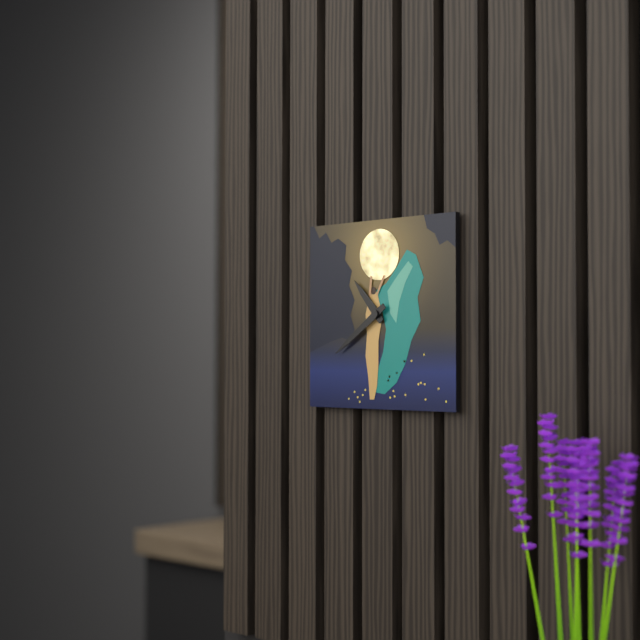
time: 10:39
